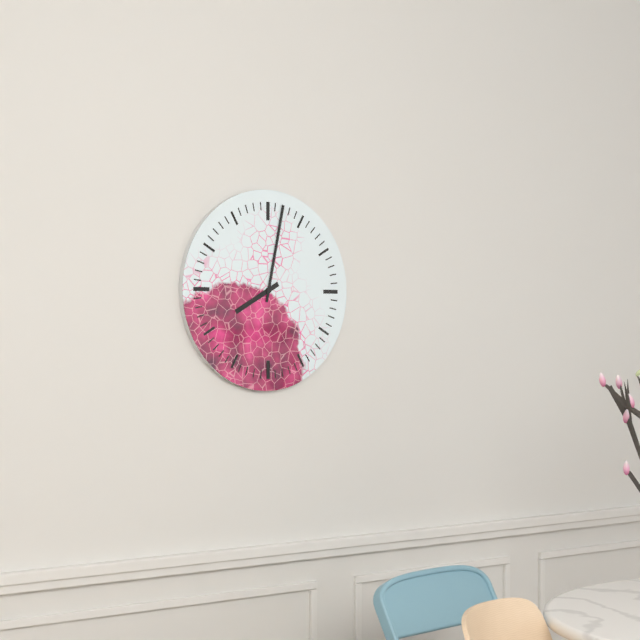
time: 8:02
